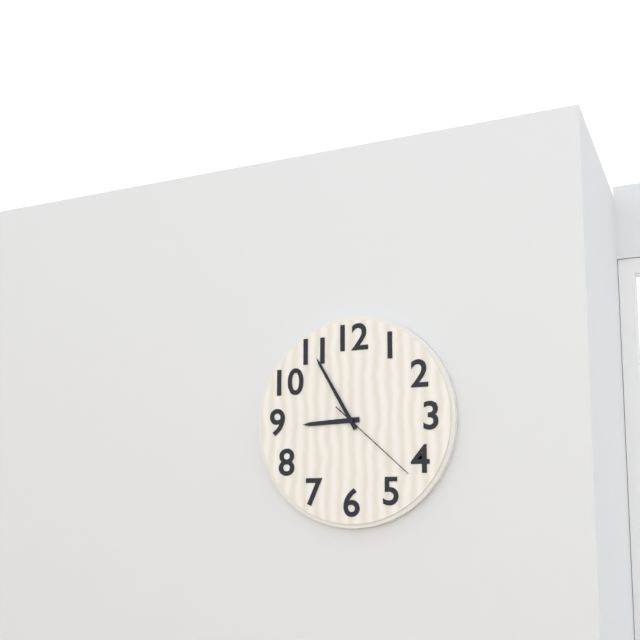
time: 8:55:22
